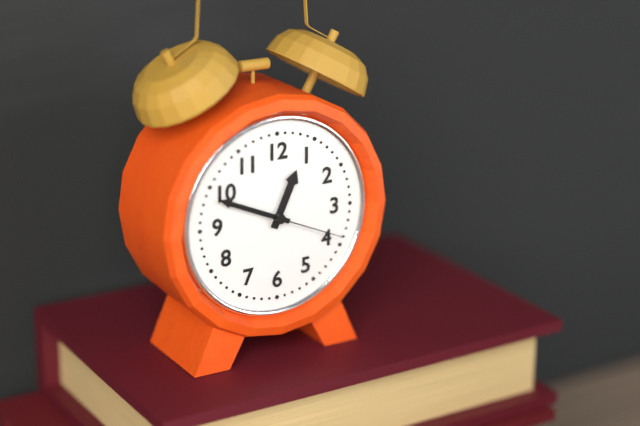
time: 12:49:19
